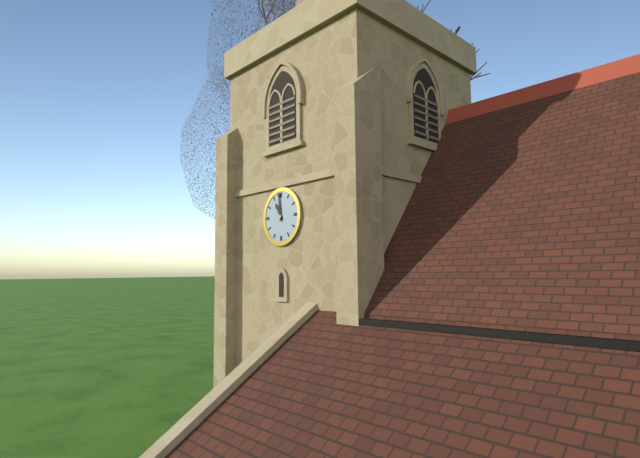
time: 10:59
